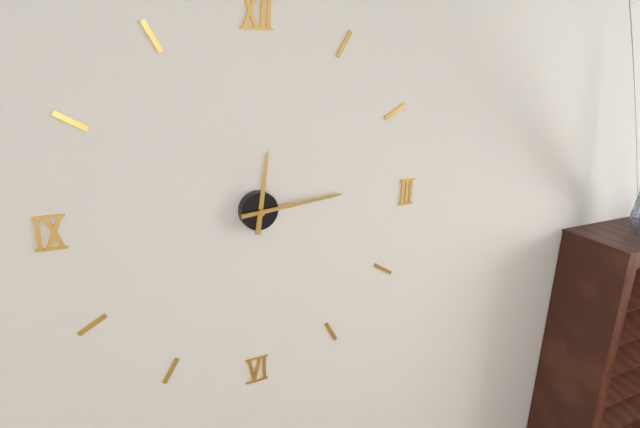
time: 12:14
